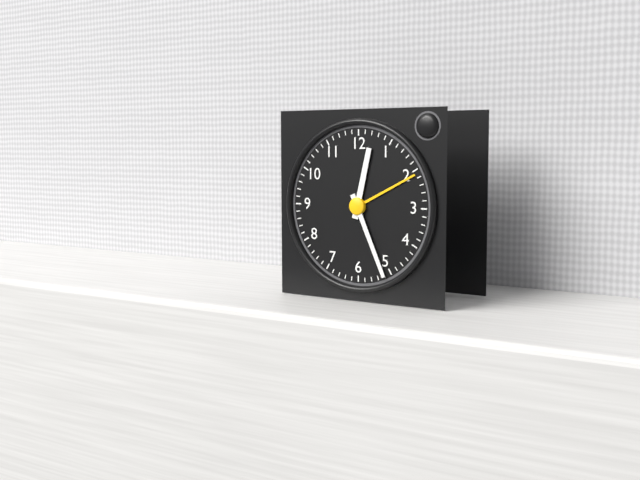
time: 12:26
